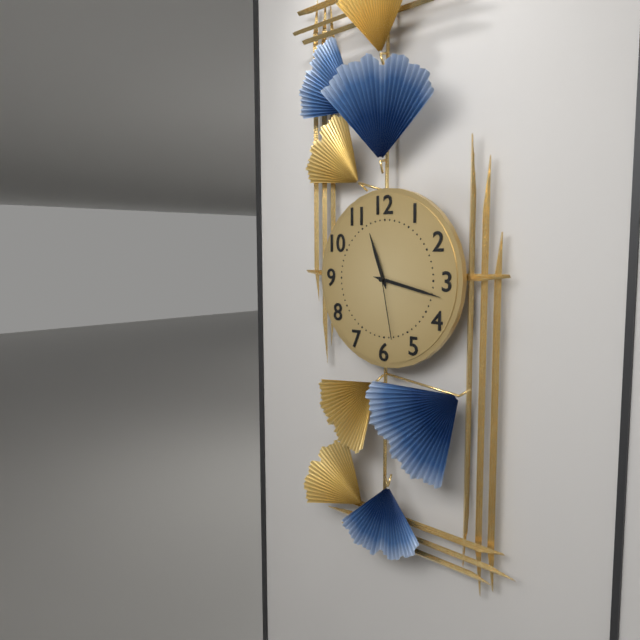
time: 11:17:28
